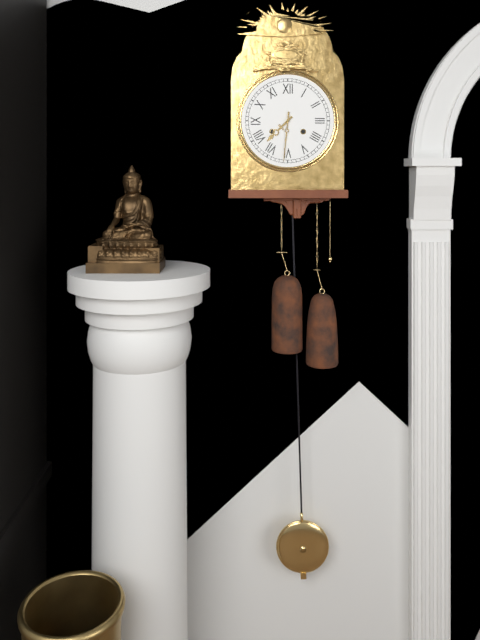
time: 7:31
